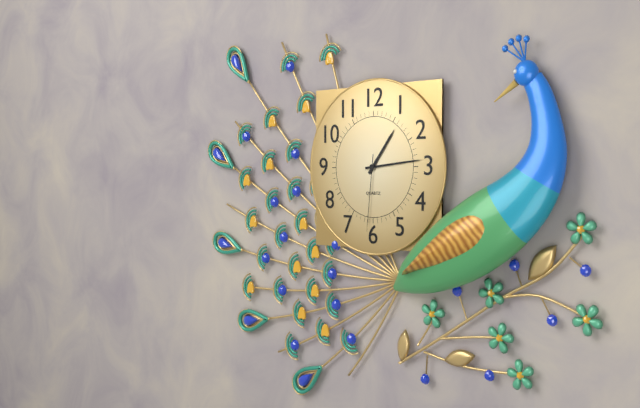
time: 1:14:31
